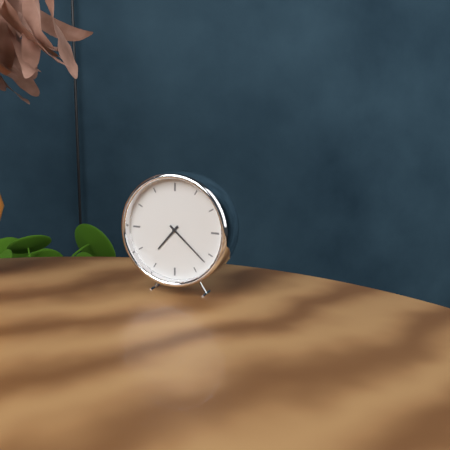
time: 7:22
